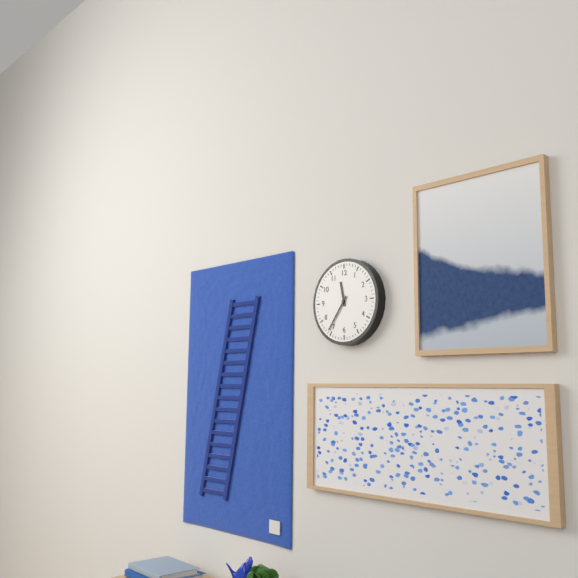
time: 11:36
